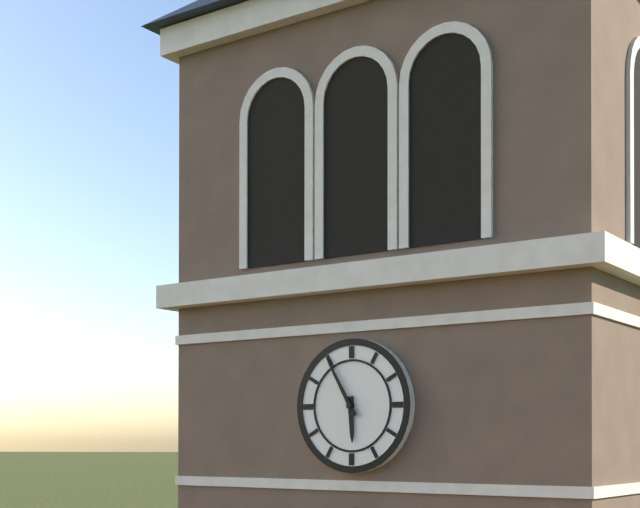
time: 5:55
